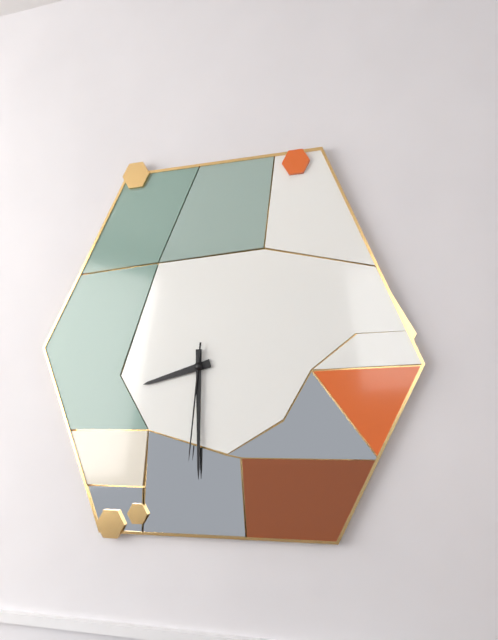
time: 8:30:31
